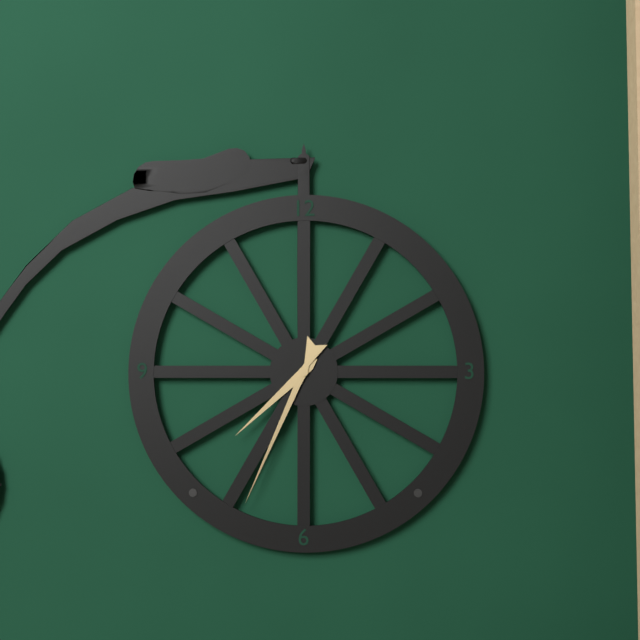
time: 7:34
